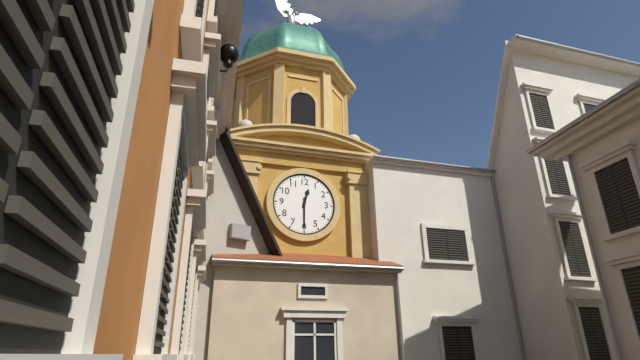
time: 12:30
